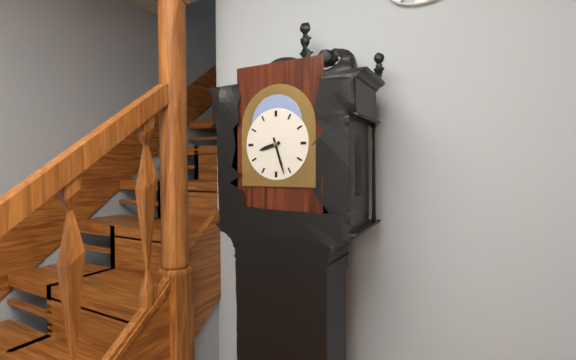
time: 8:27
